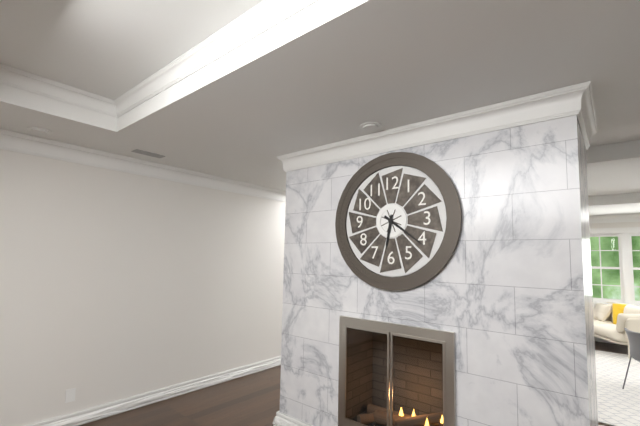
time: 6:21
